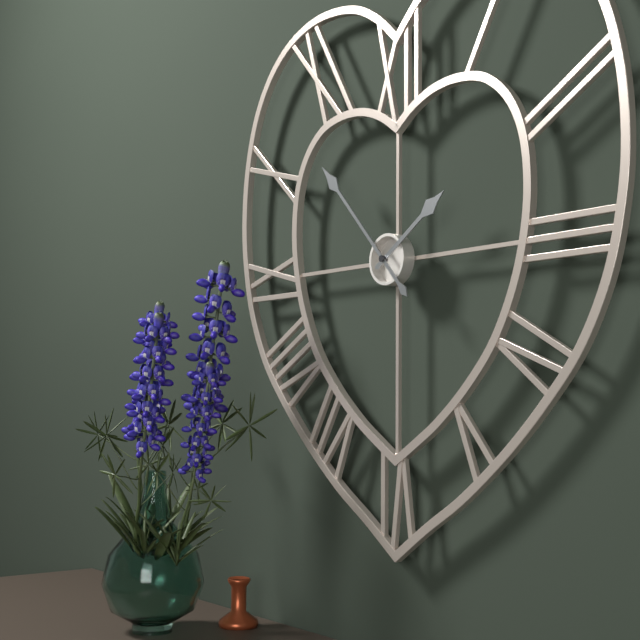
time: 1:53
